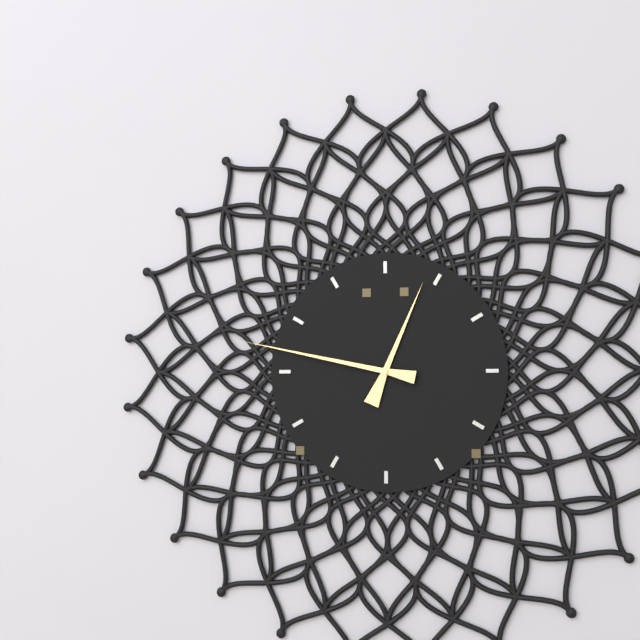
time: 12:47
